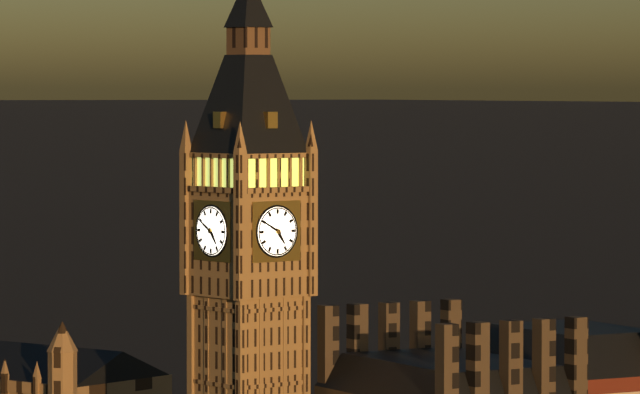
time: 4:50
